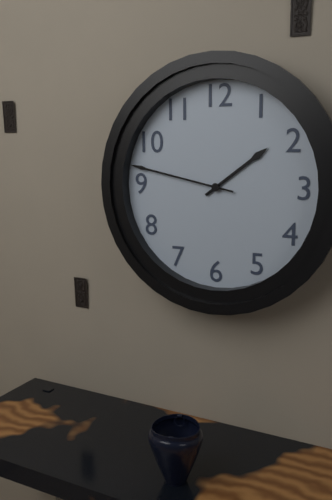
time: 1:47
